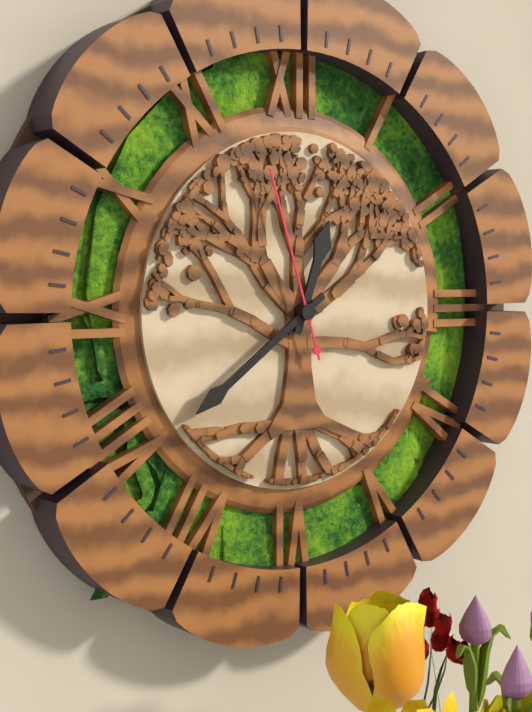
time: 12:39:57
